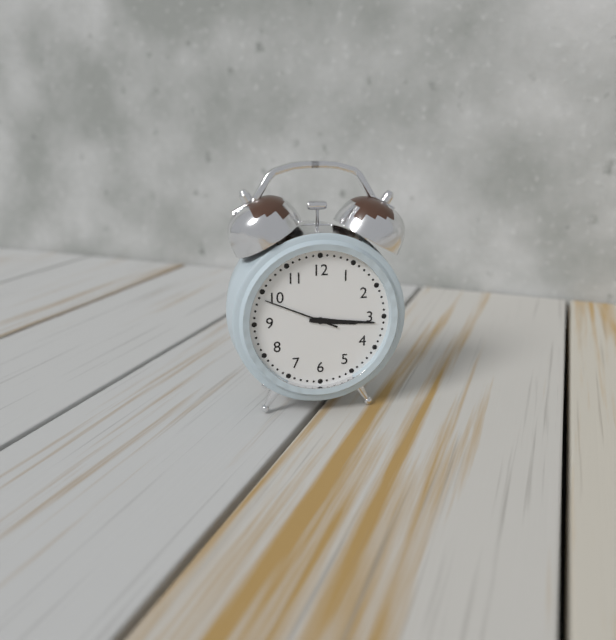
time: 3:16:49
